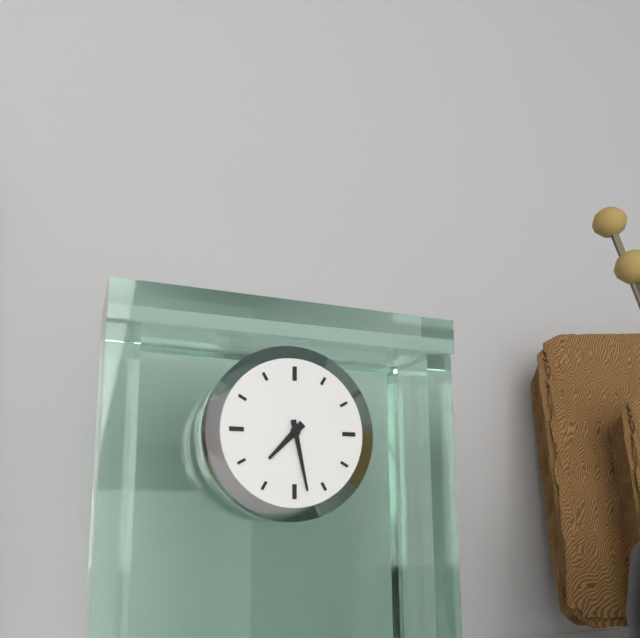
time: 7:28
